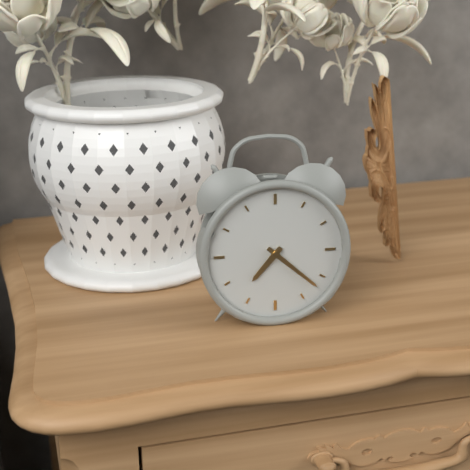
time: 7:22
